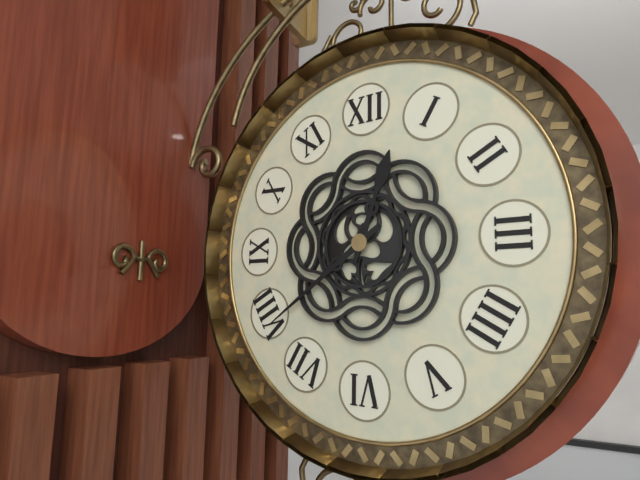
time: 12:39
